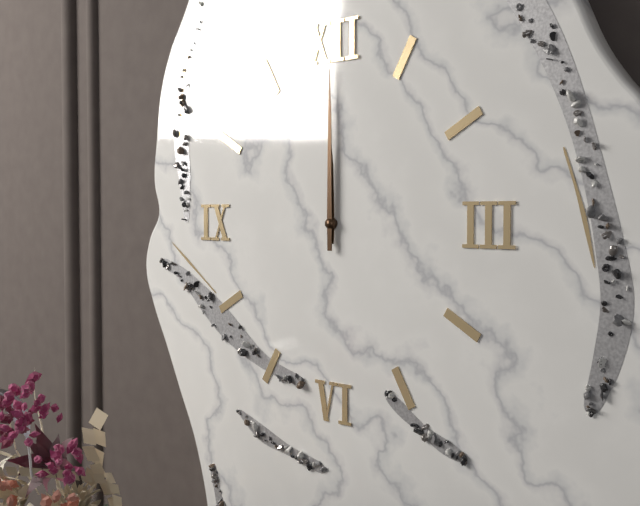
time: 12:00
